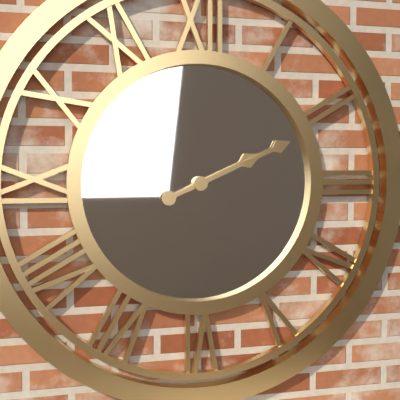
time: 2:11
